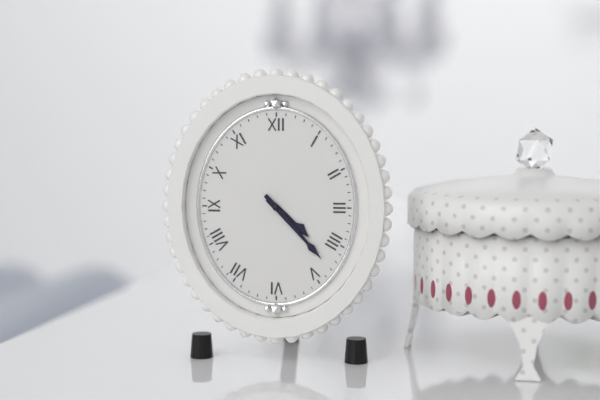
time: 4:23
